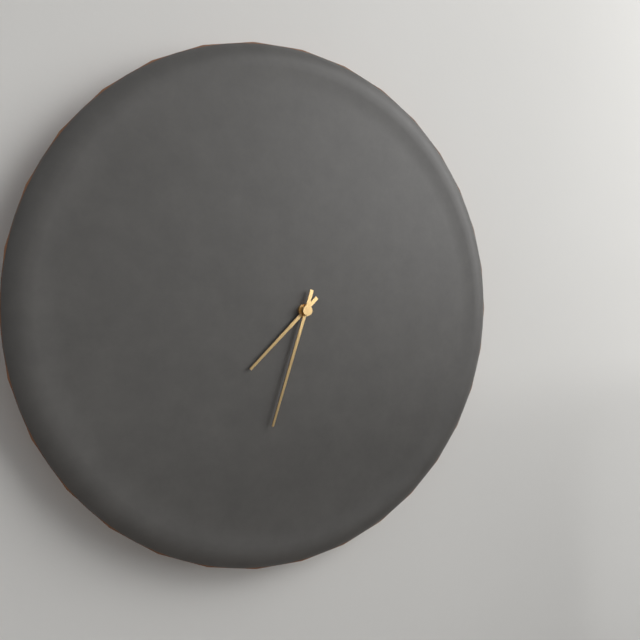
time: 7:33
